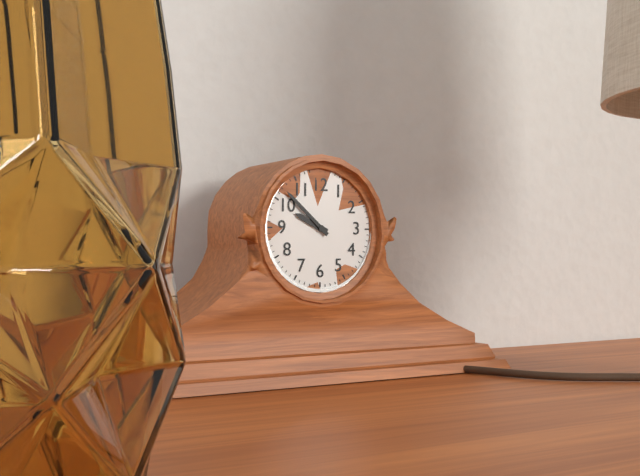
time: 9:52
